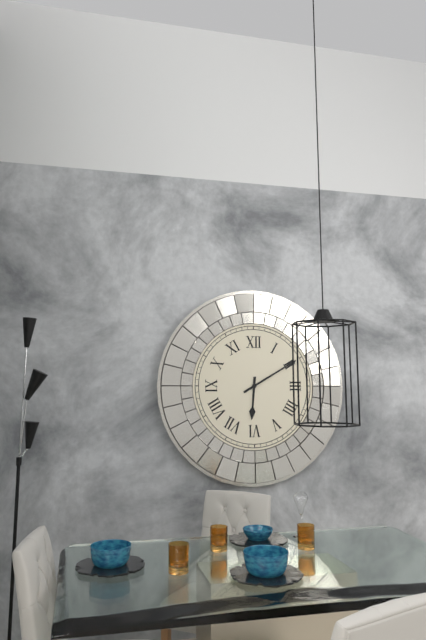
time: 6:10
